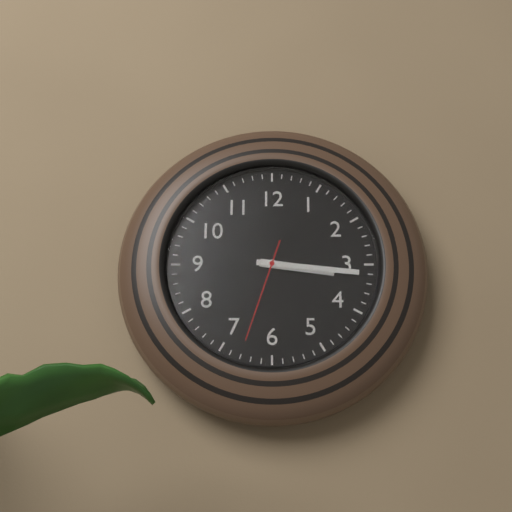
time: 3:16:33
